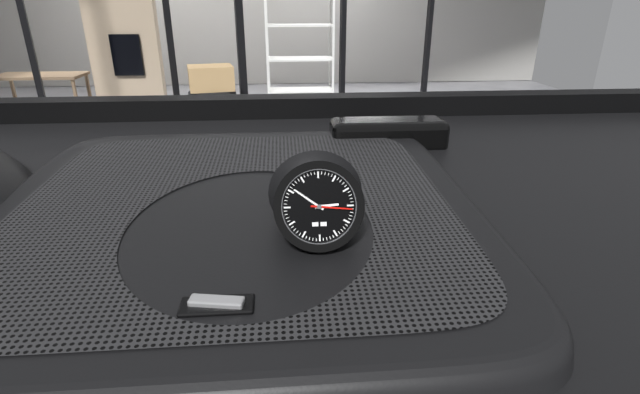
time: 2:51
